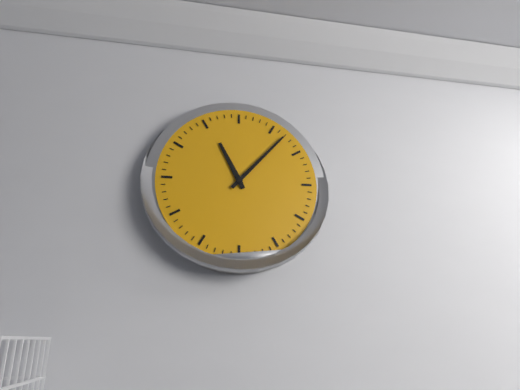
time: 11:07
